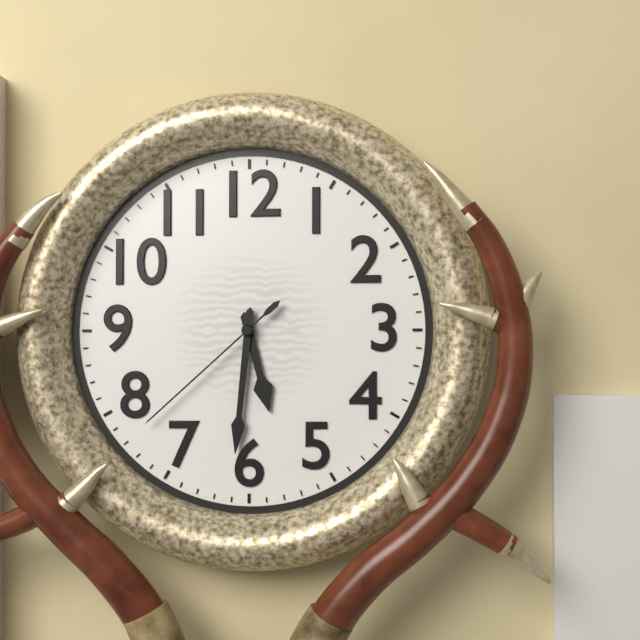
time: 5:31:38
